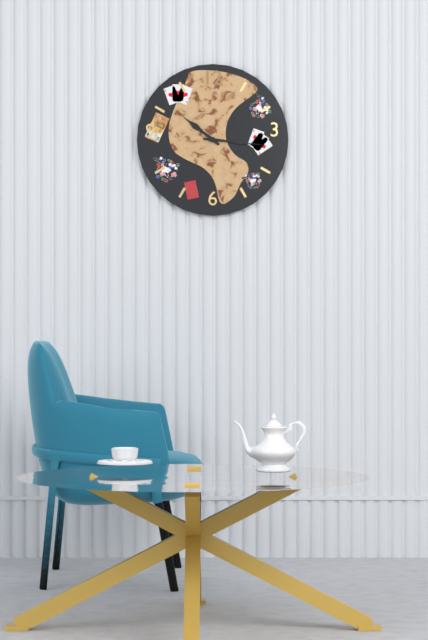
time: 10:16
